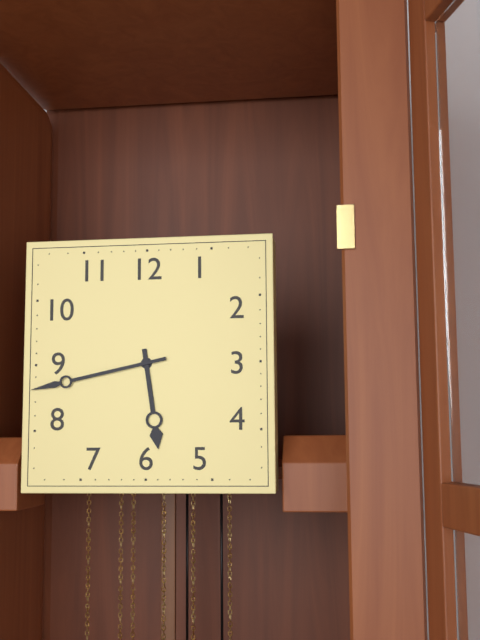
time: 5:43
